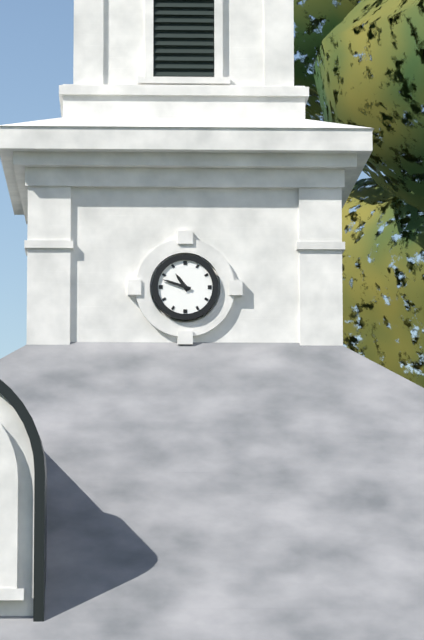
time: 10:48
